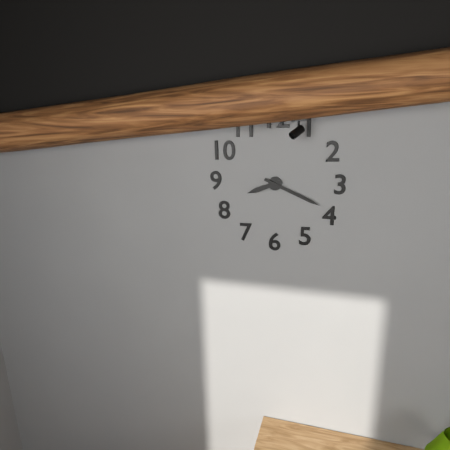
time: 8:19
